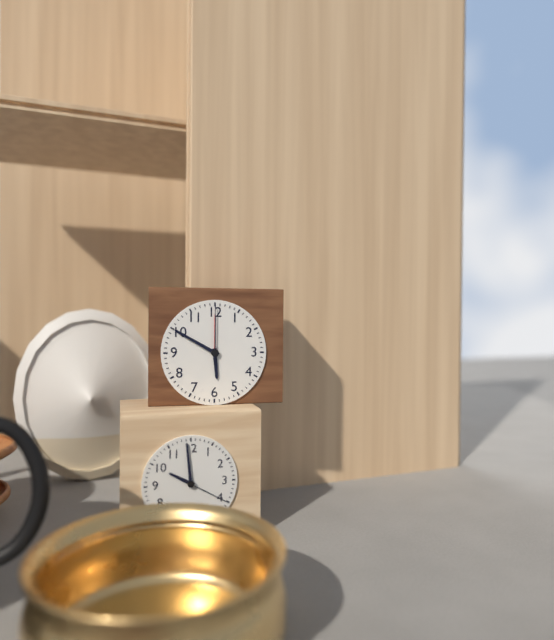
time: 5:50:00
